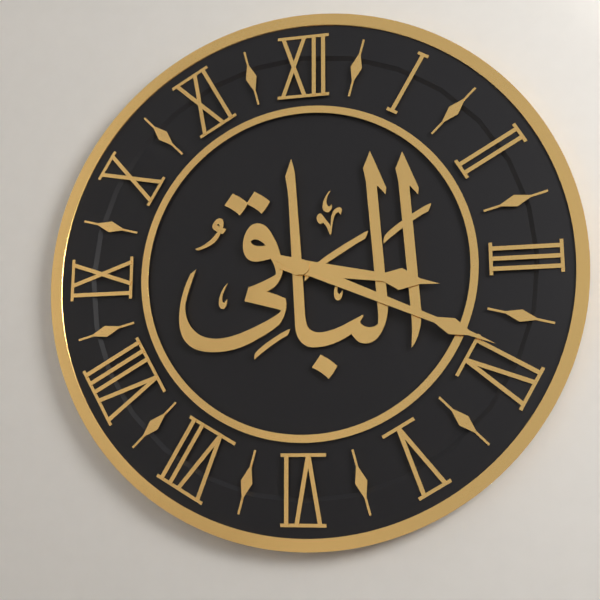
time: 3:19
